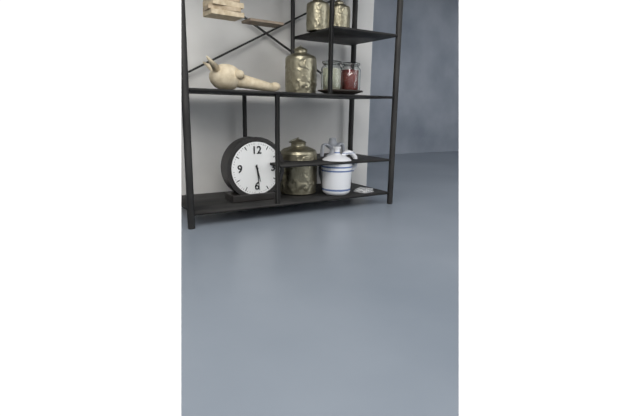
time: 5:29
